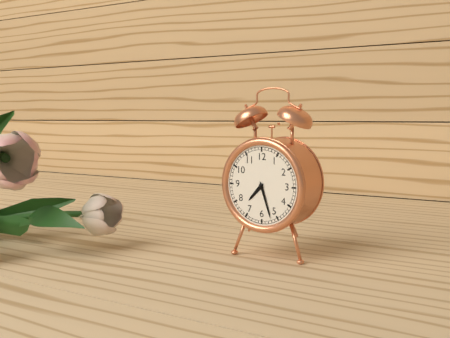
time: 7:27
